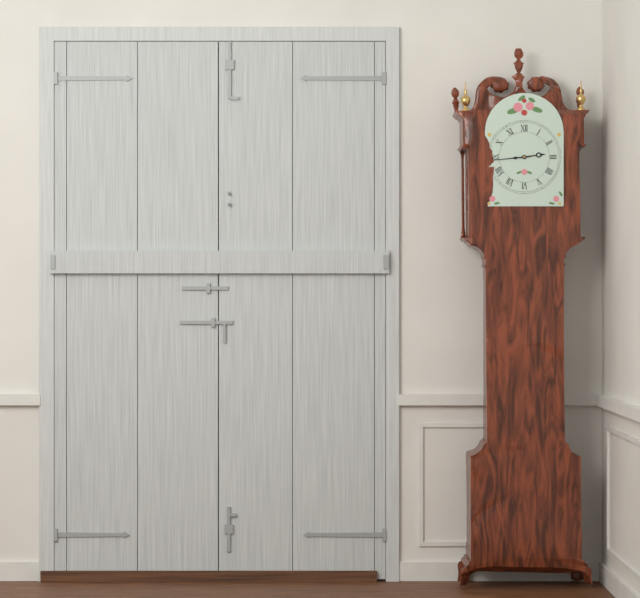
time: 2:44
